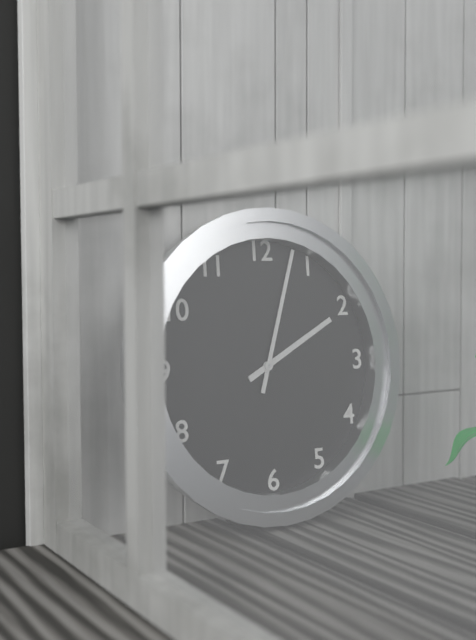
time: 2:03
